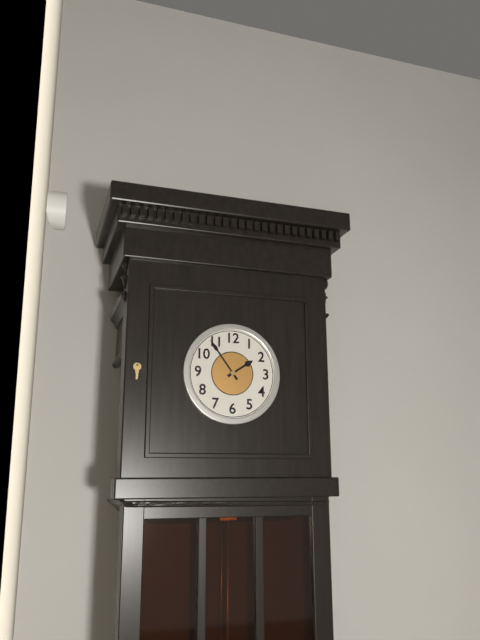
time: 1:54
